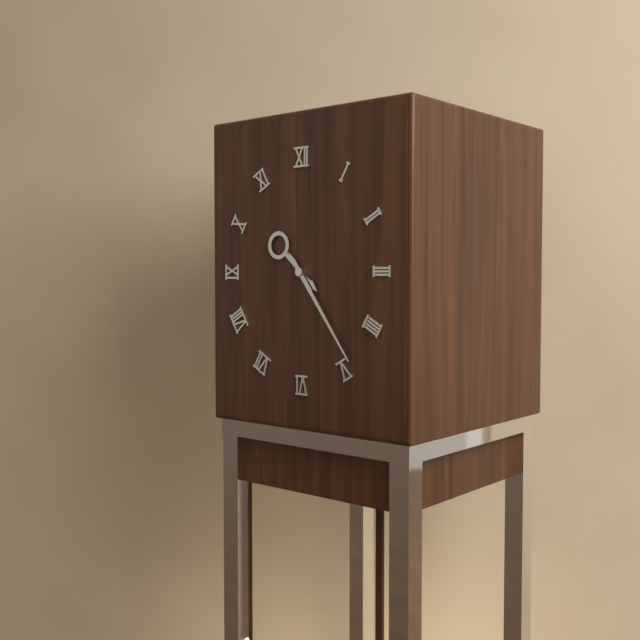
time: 10:24
